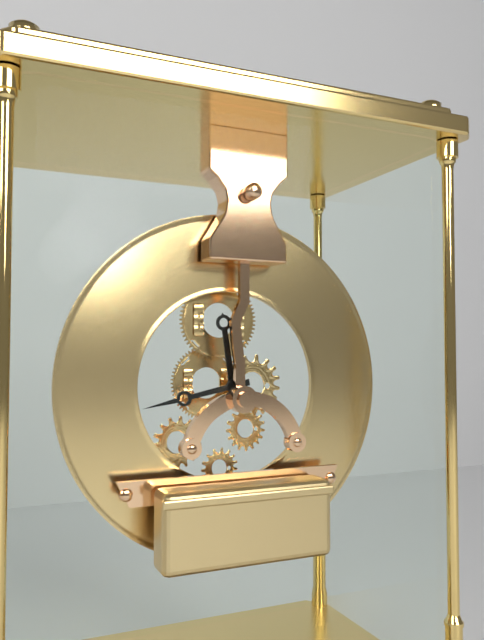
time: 11:43
